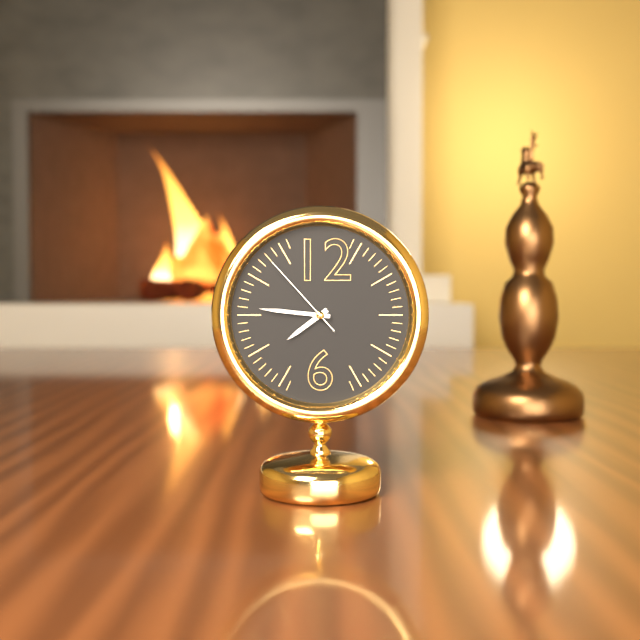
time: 7:46:53
